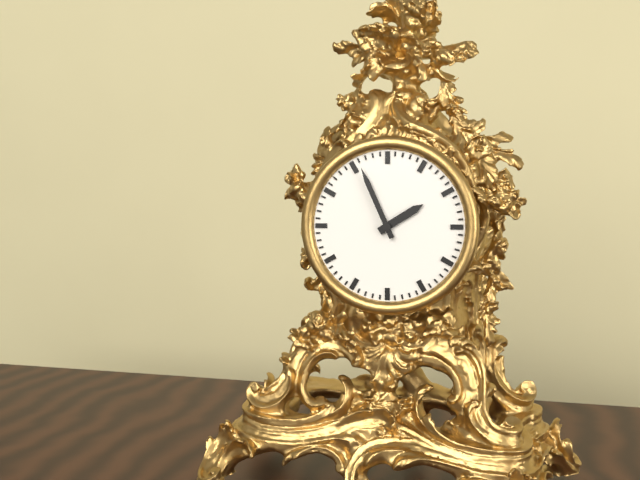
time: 1:56
